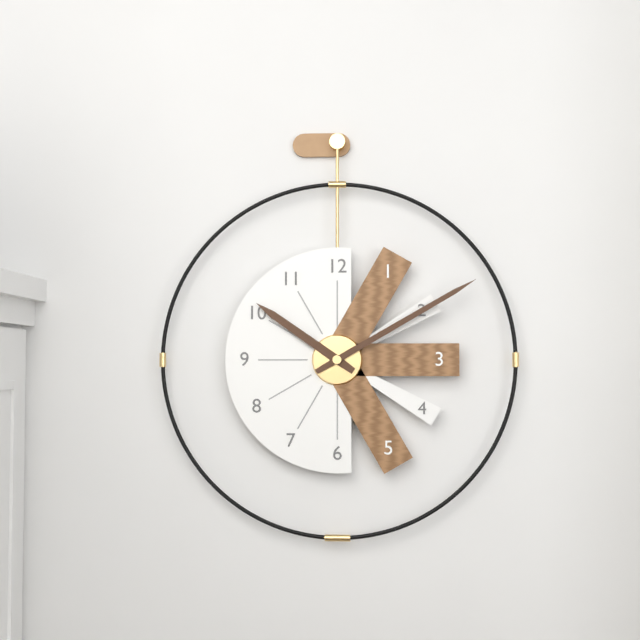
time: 10:10
